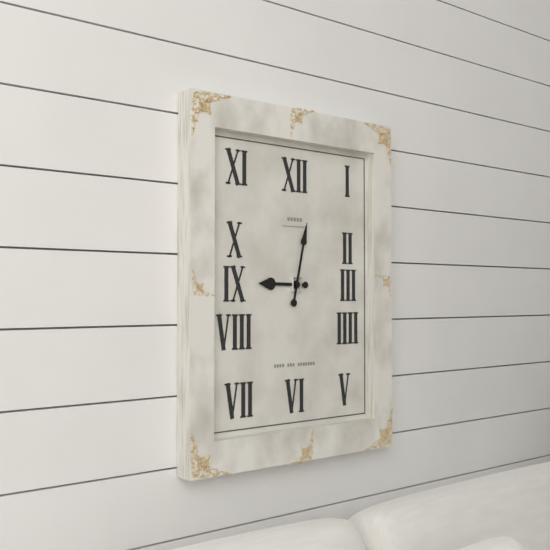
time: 9:02
